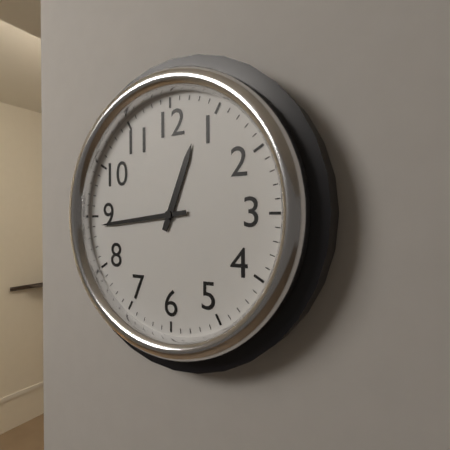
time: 12:44
